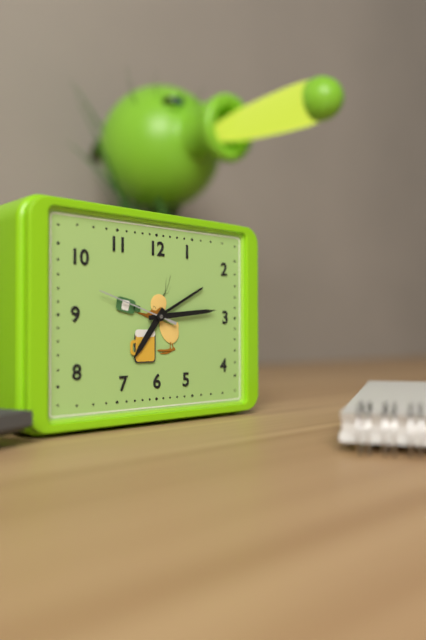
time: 7:14:48
